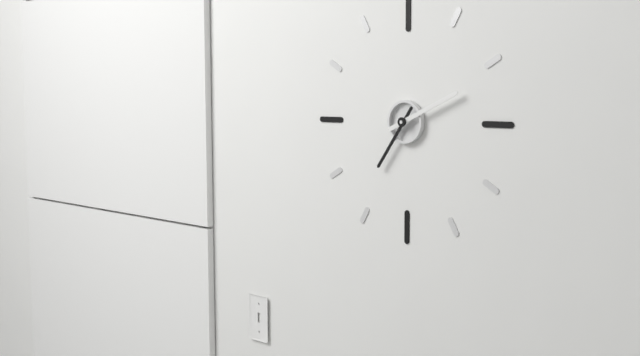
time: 7:11
